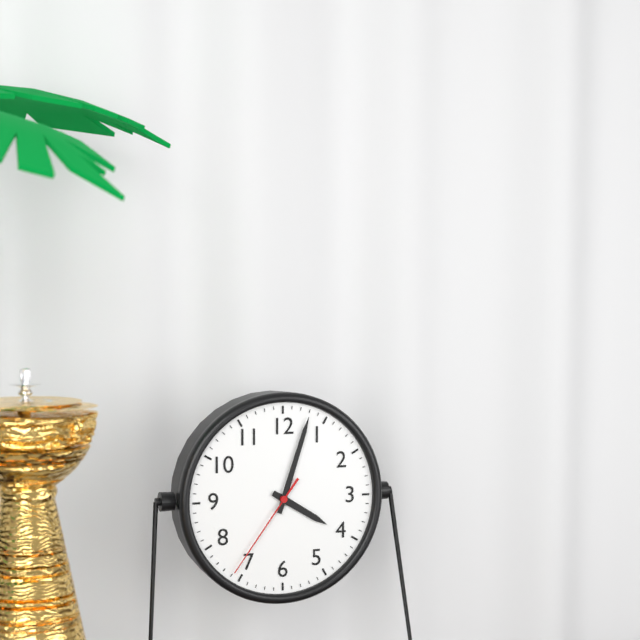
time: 4:03:36
